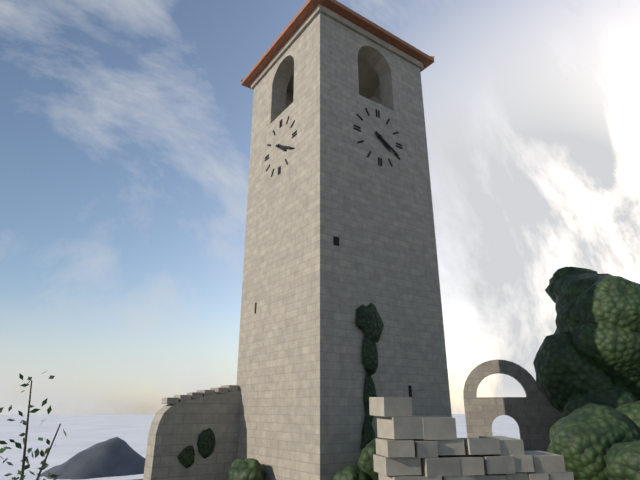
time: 4:20
